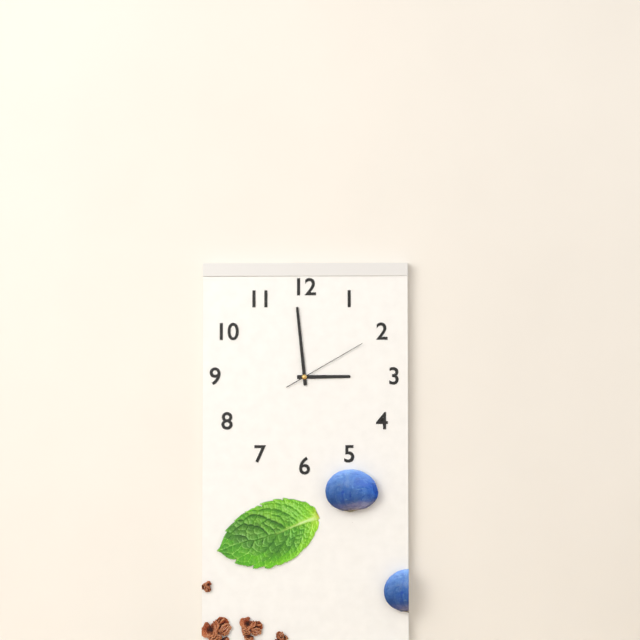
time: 2:59:10
